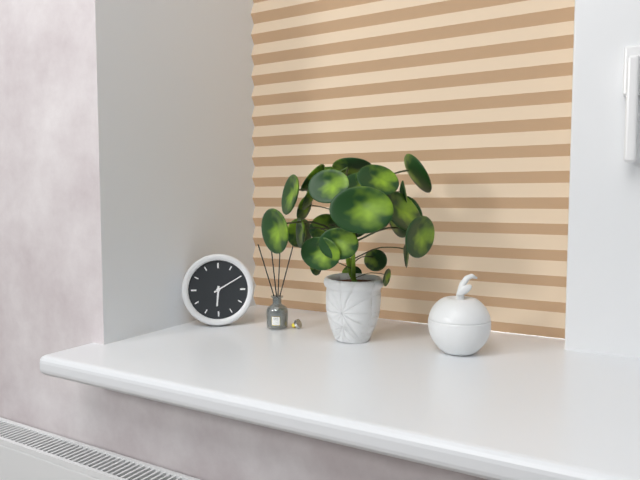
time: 6:10
